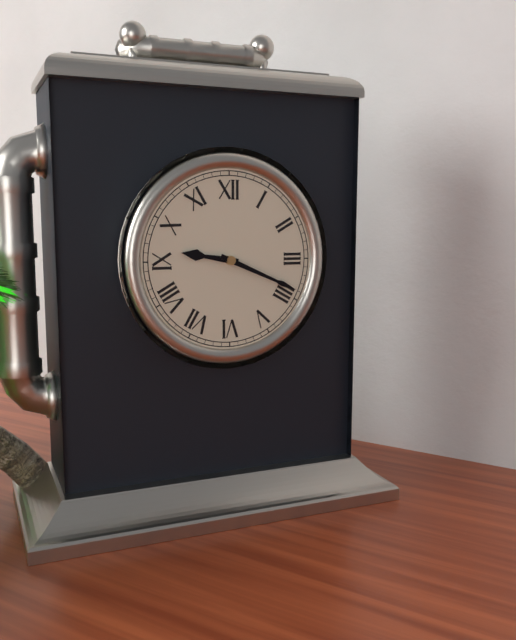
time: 9:19
